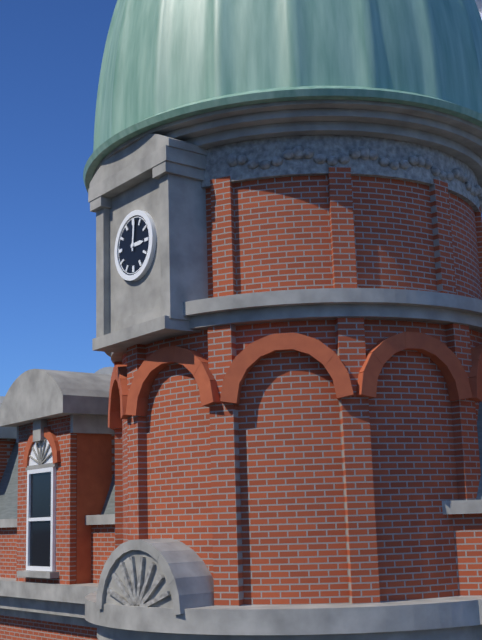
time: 3:01
